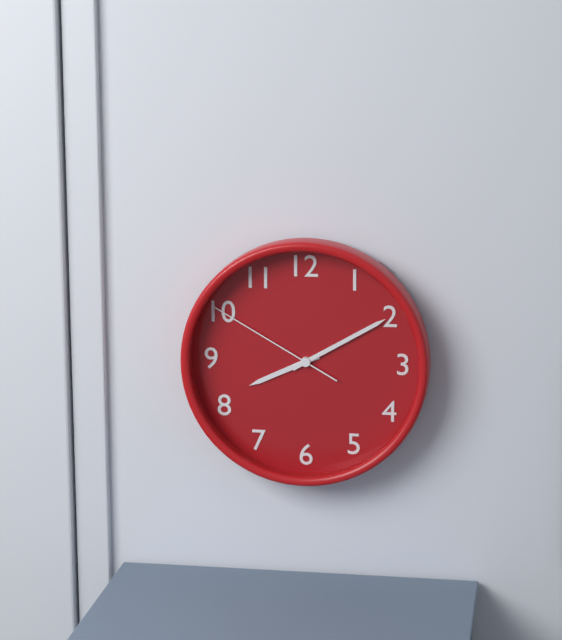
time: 8:10:50
